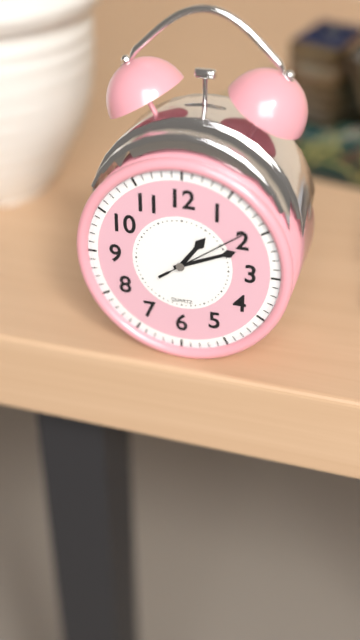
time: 1:11:09
